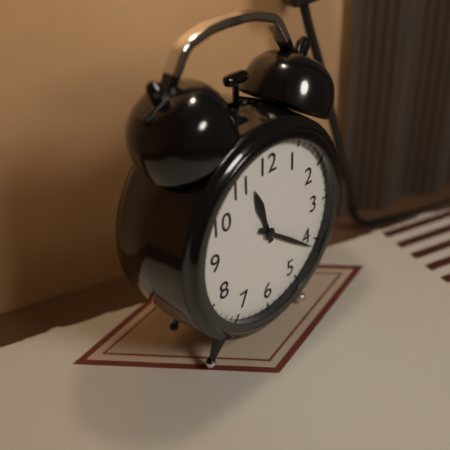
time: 11:21
